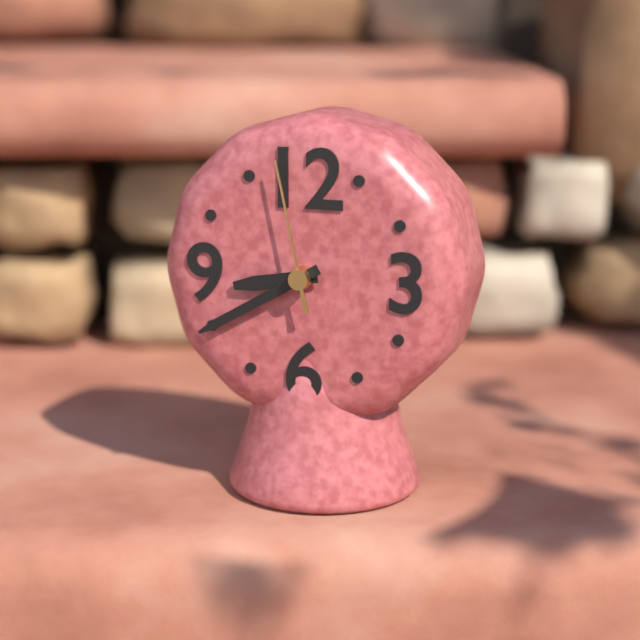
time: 8:40:58
